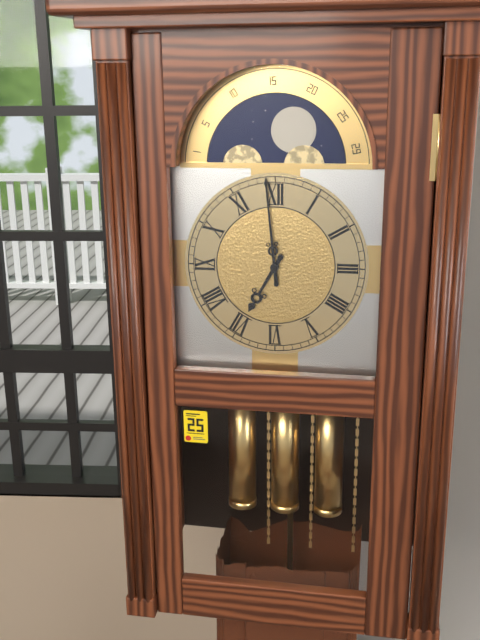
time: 6:59
